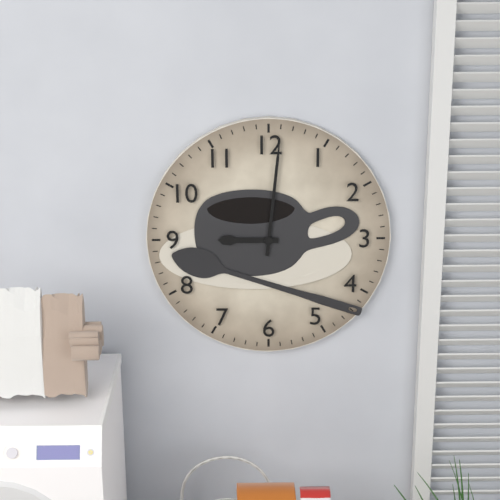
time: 9:01
